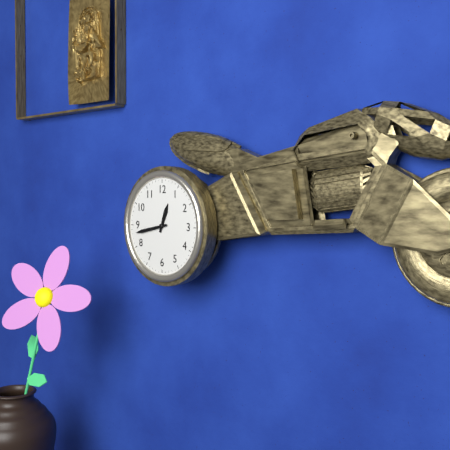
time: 12:43
